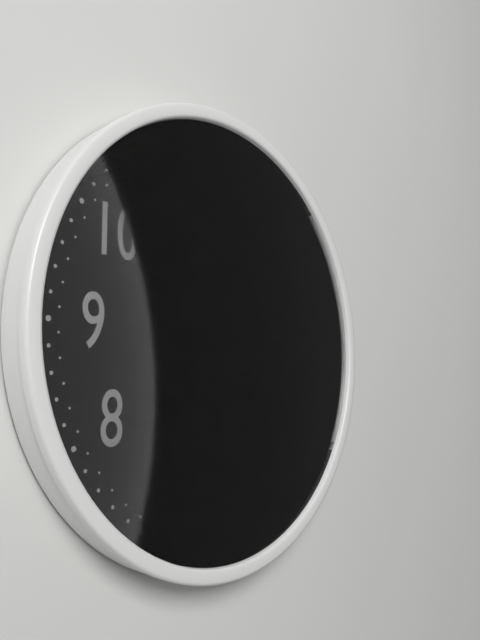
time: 7:17:53
